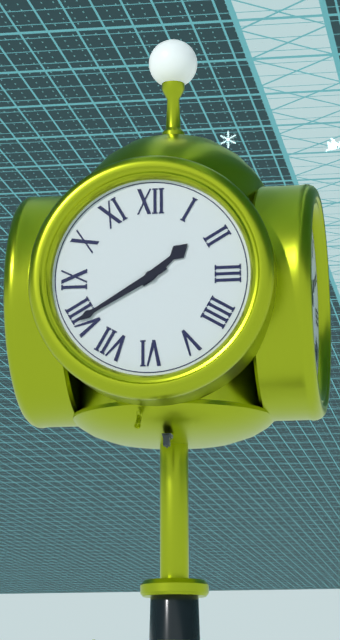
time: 1:40
